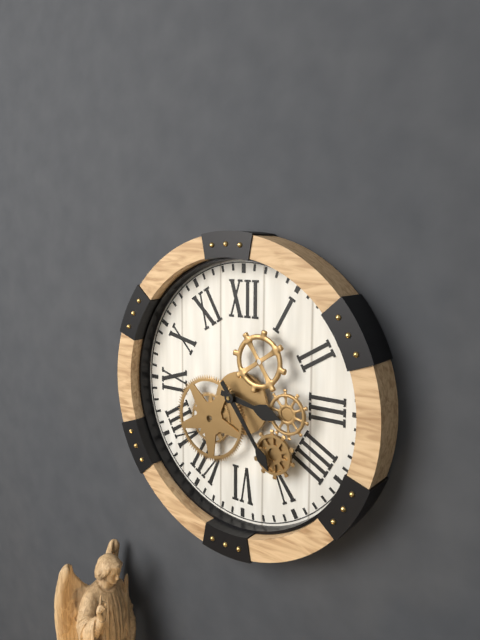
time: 3:24
